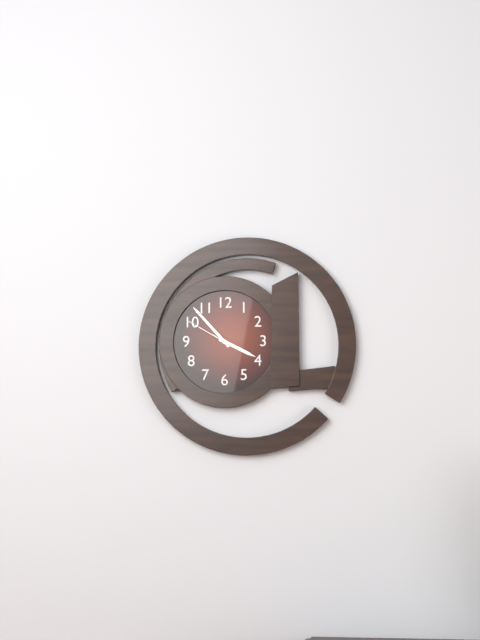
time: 3:53:50
